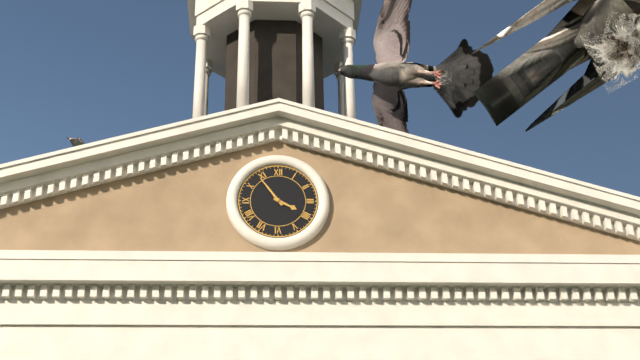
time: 3:54
